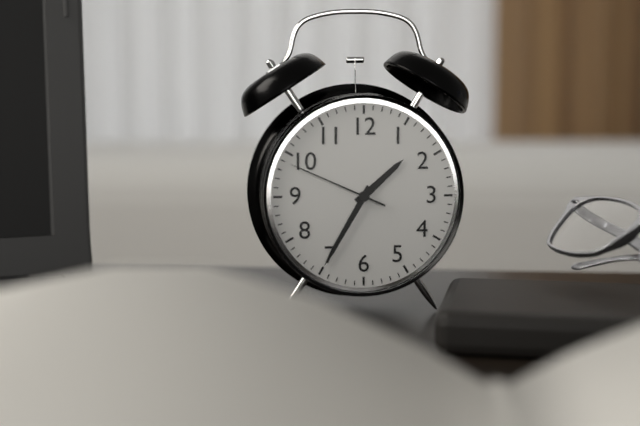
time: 1:35:49
